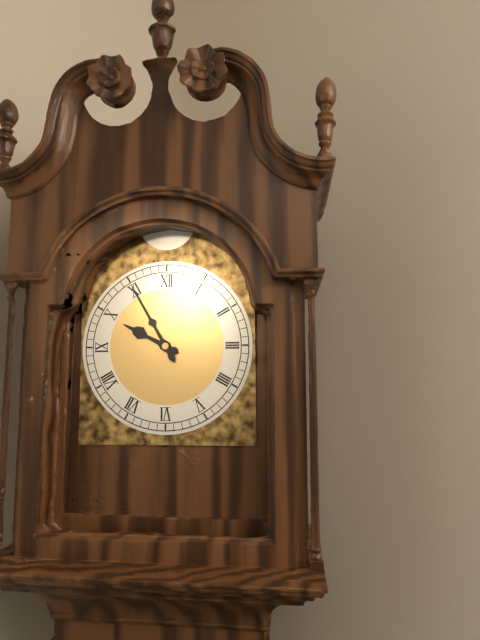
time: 9:55
